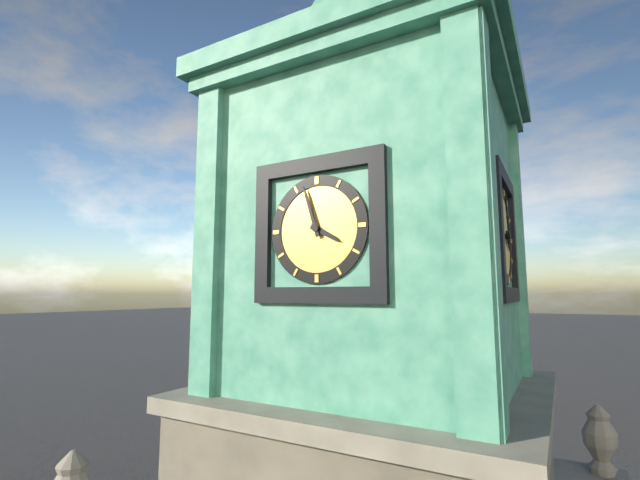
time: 3:57
